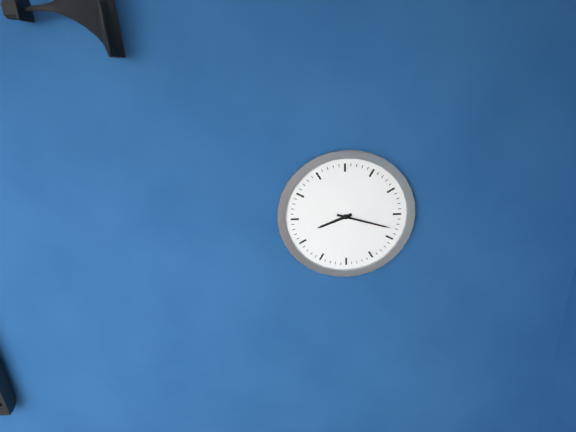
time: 8:18
